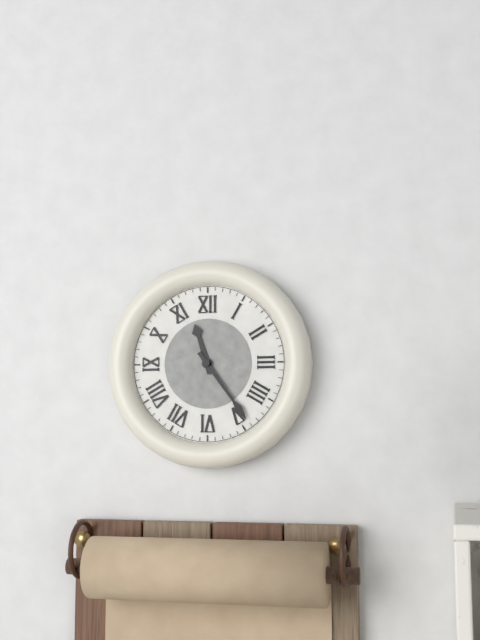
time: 11:24
